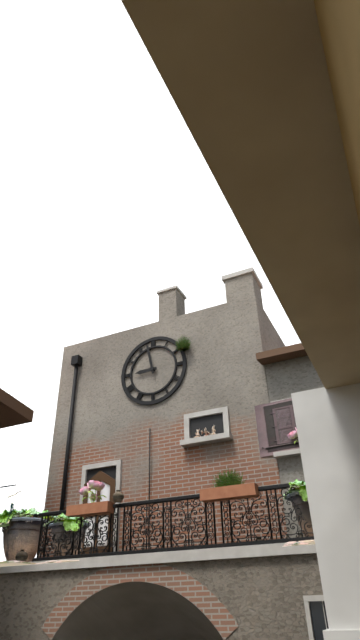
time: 8:58
